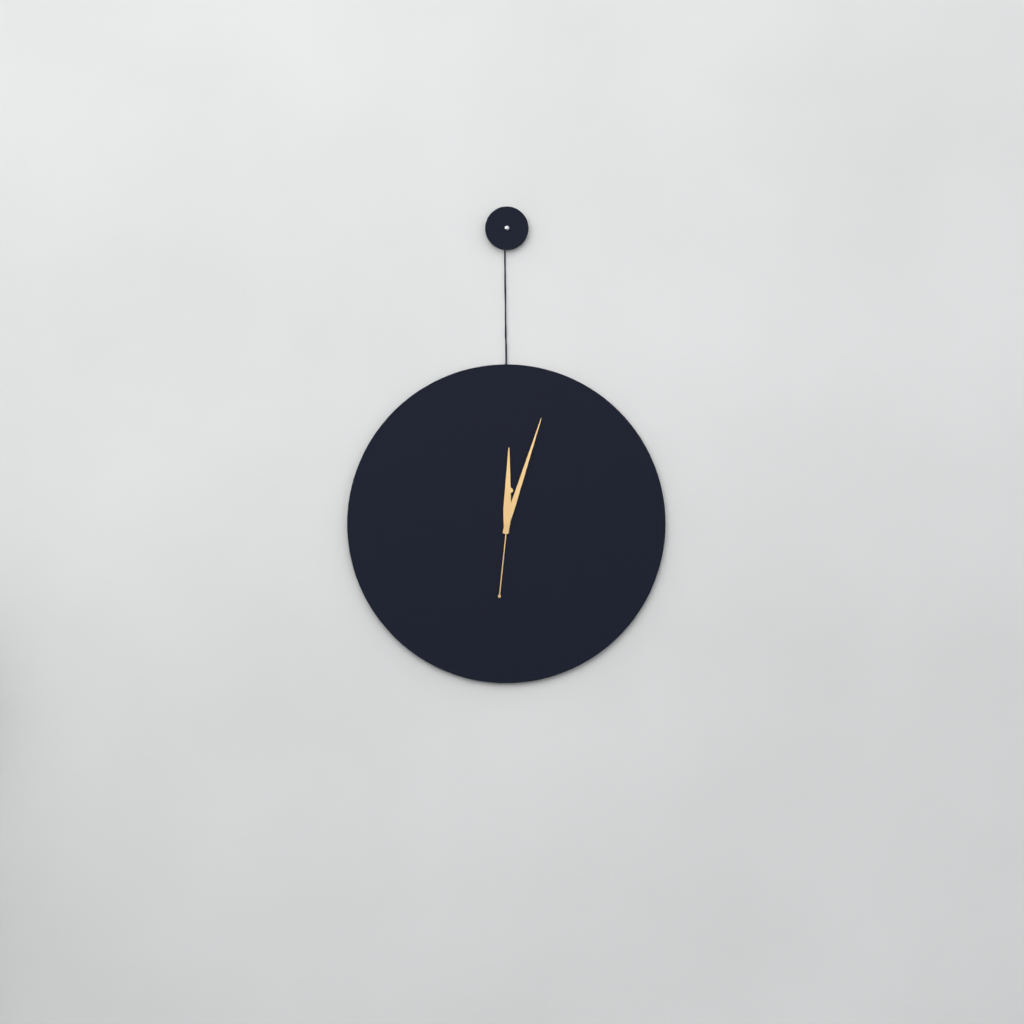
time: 12:03:31
